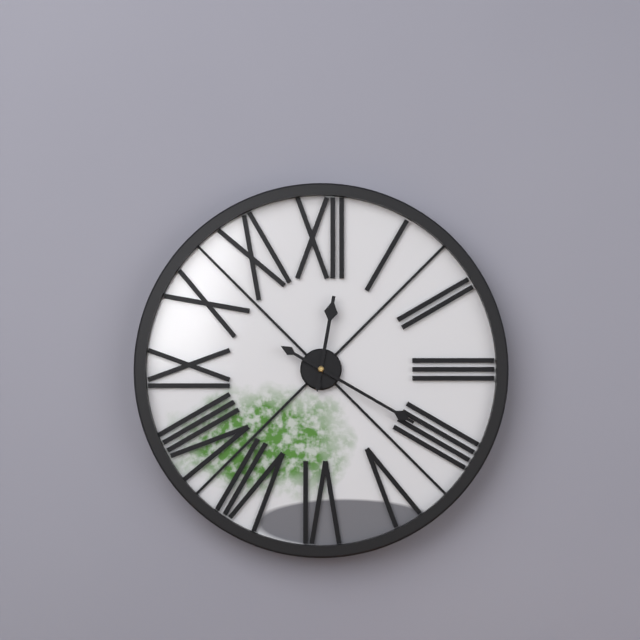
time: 12:20
